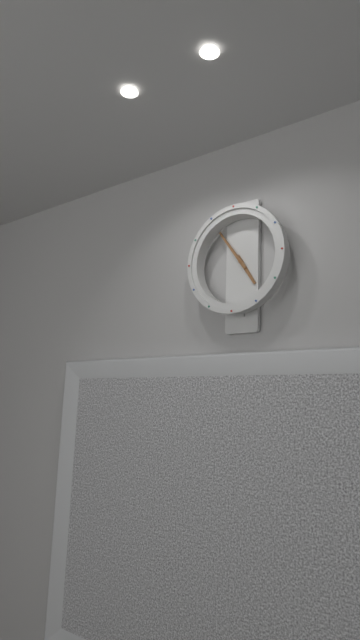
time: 4:54
